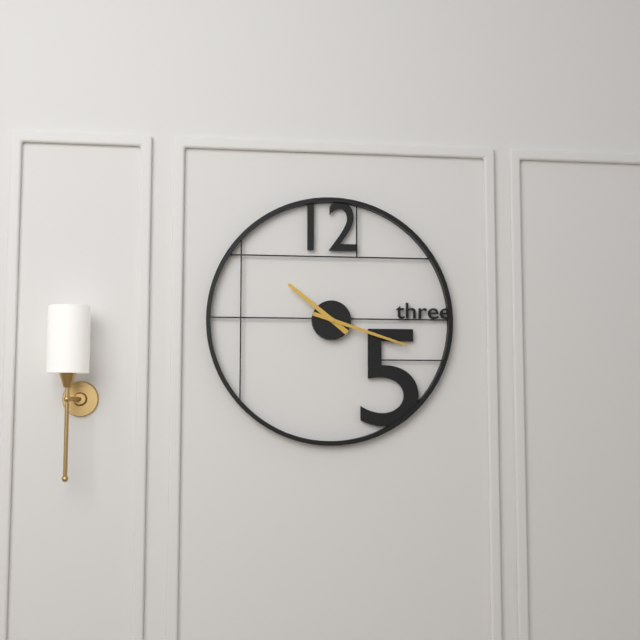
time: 10:18
